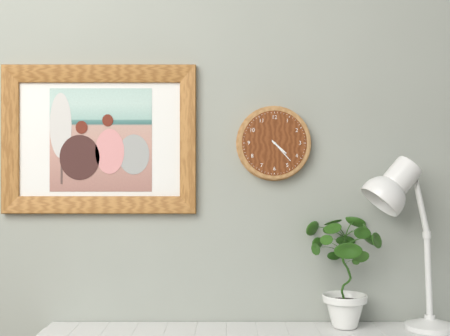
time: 4:23
